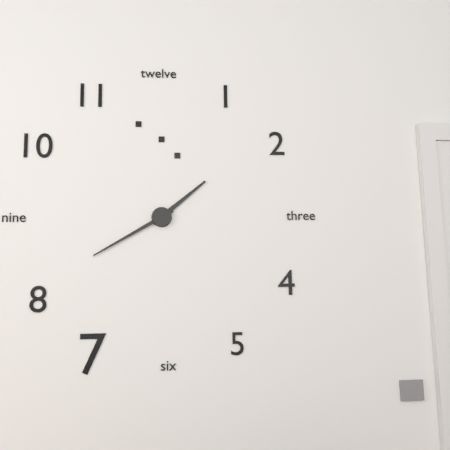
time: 1:40
